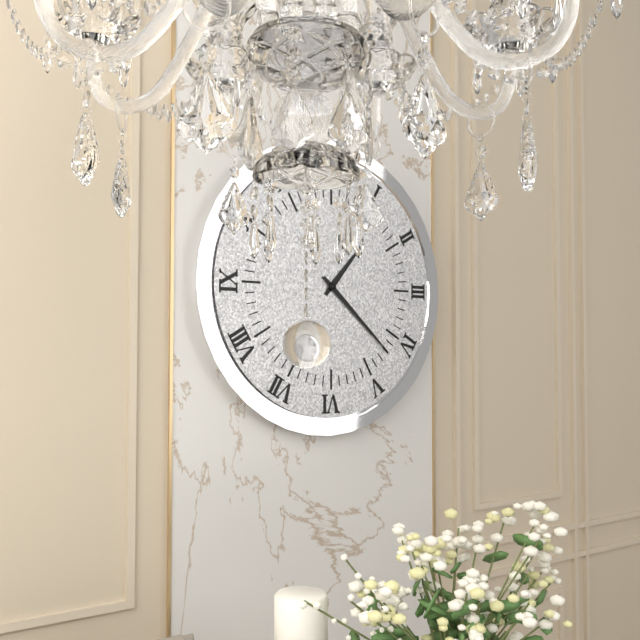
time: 1:22
